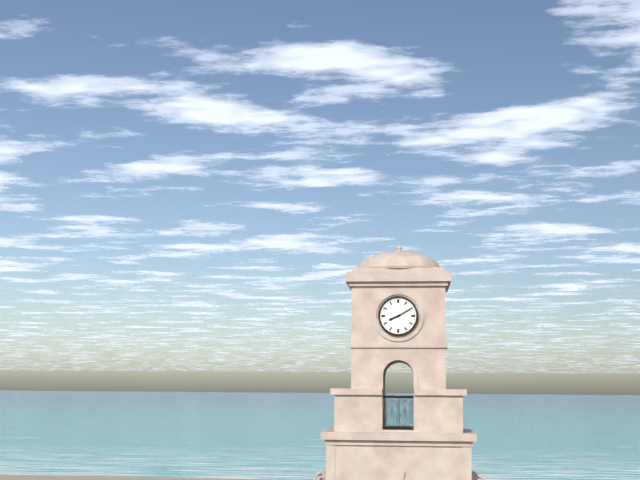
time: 8:10
